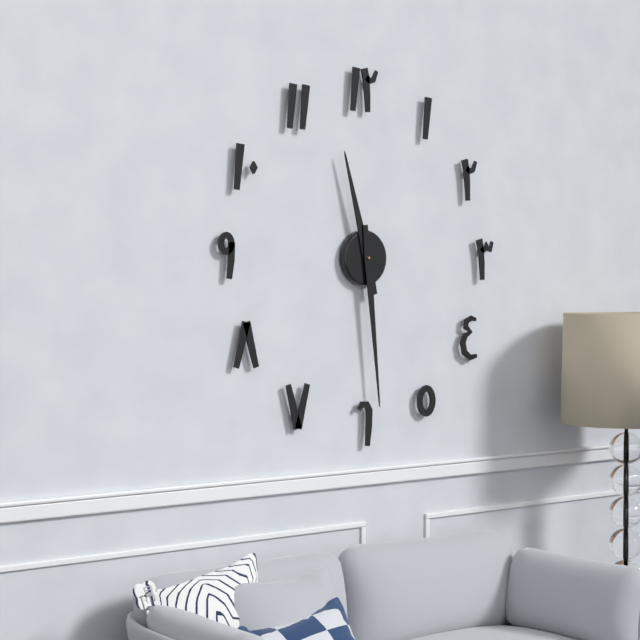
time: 11:29
